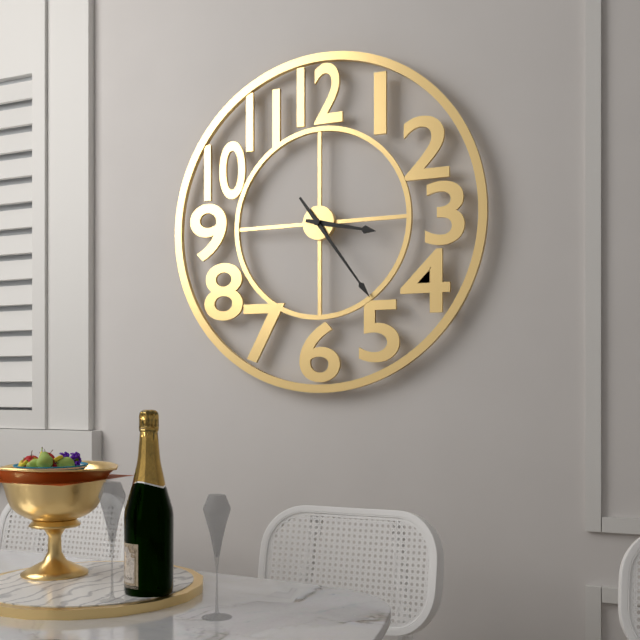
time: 3:24
